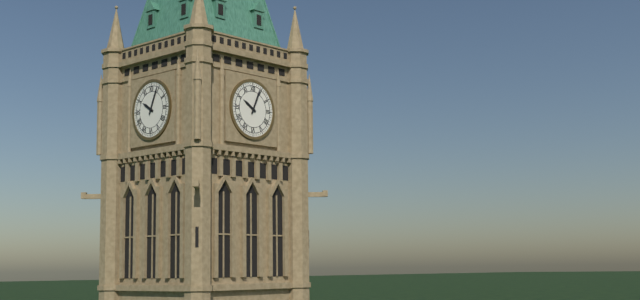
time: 10:04
